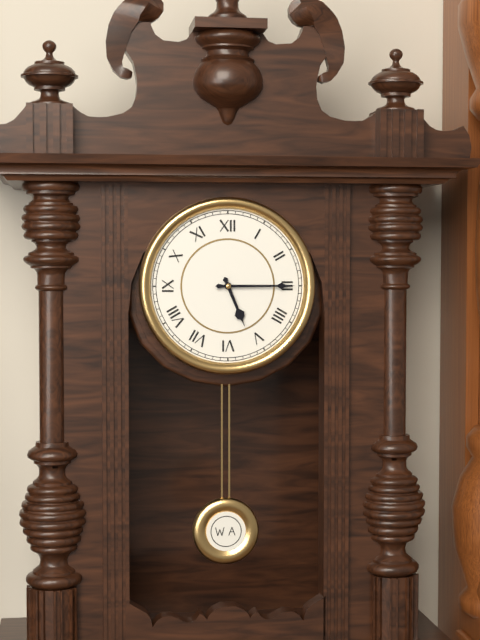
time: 5:15
